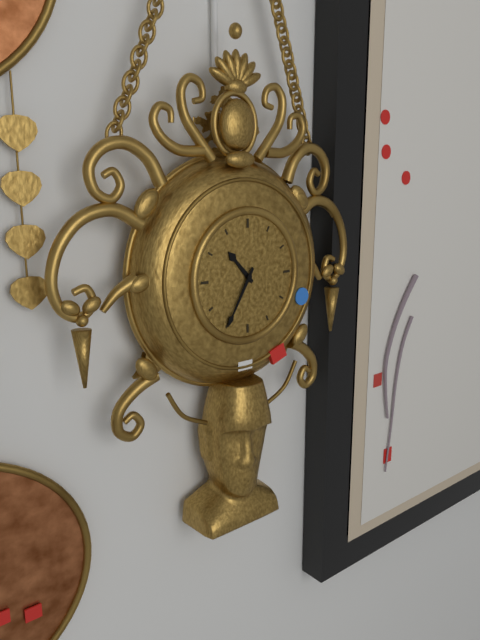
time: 10:35
